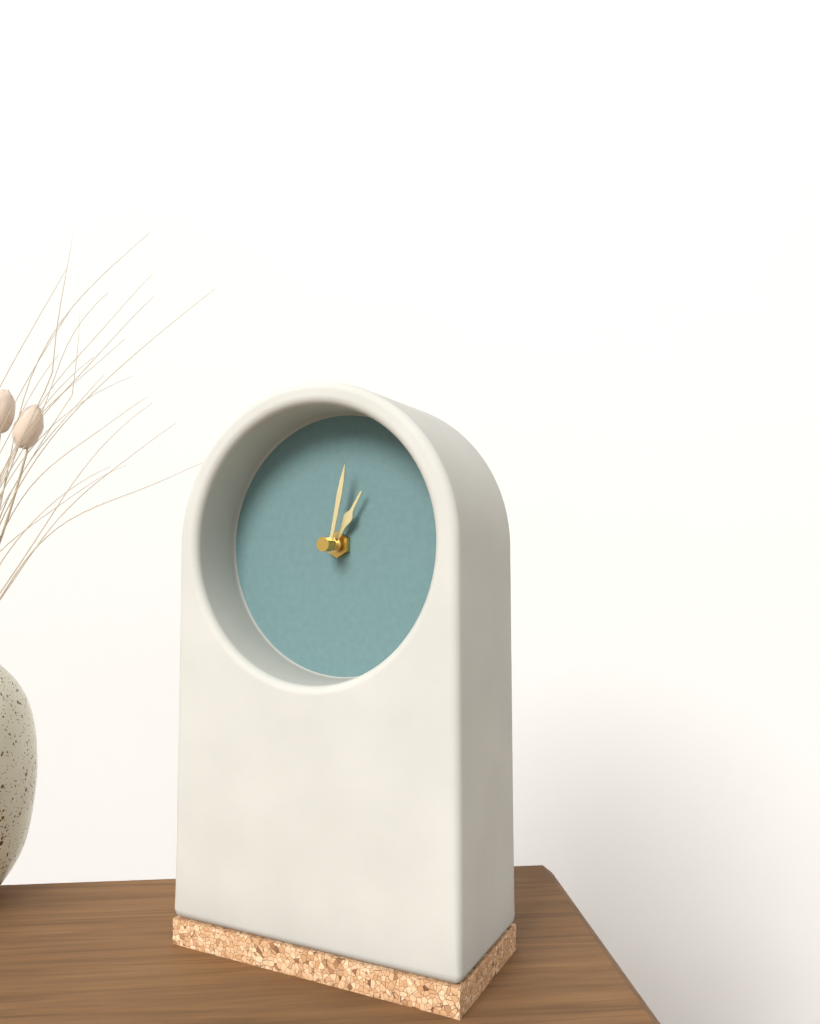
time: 1:02
